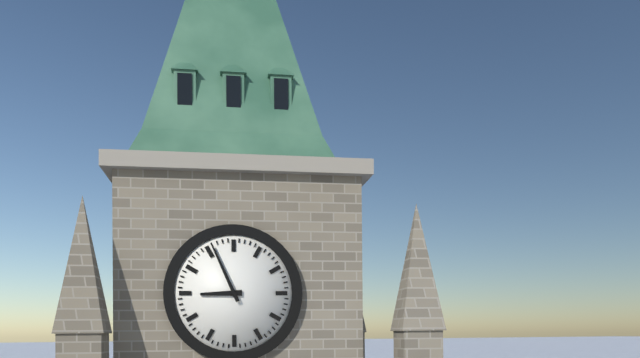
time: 8:56
